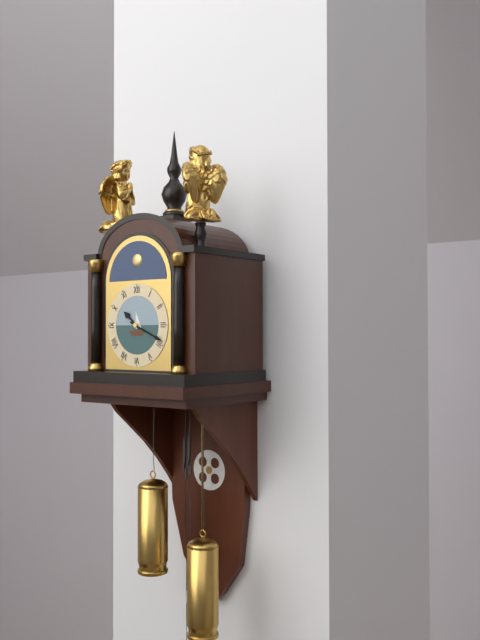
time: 10:19
